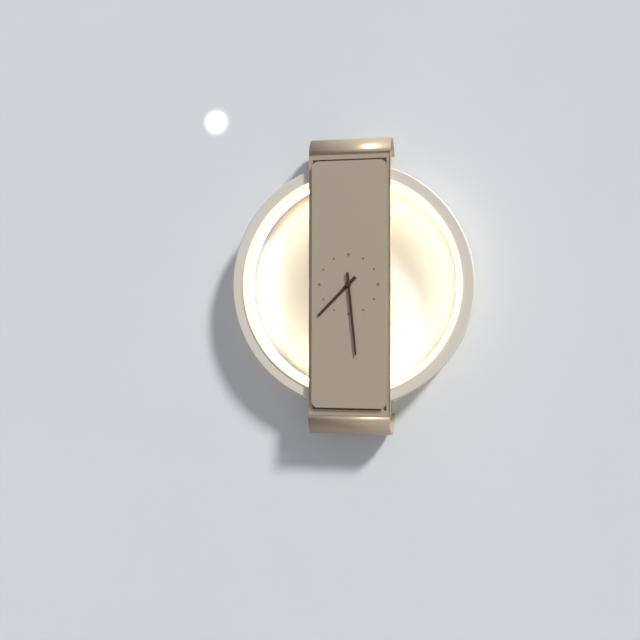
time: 7:29
